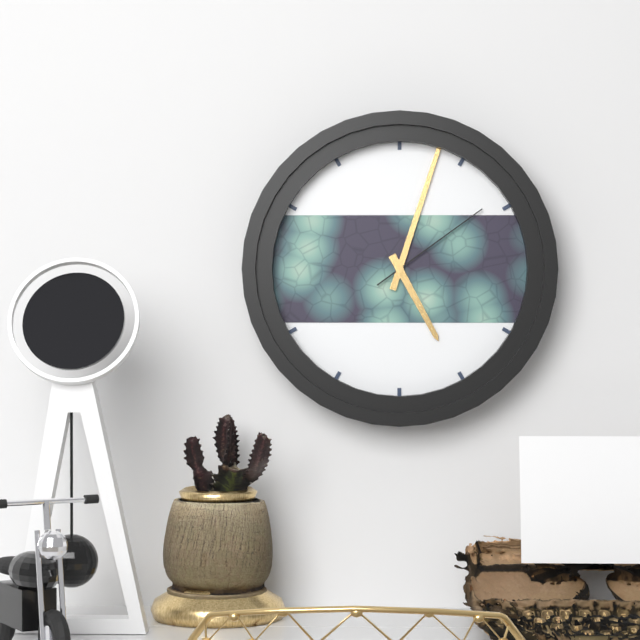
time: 5:03:09
